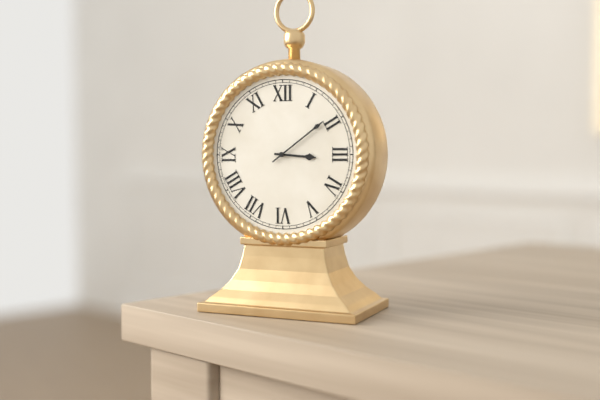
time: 3:09
